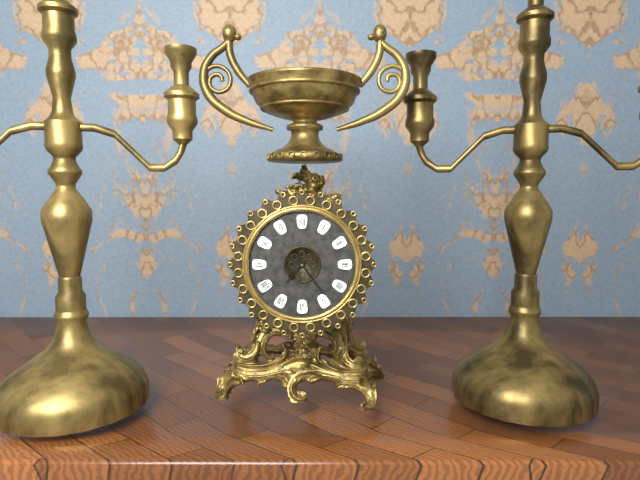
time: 7:24
